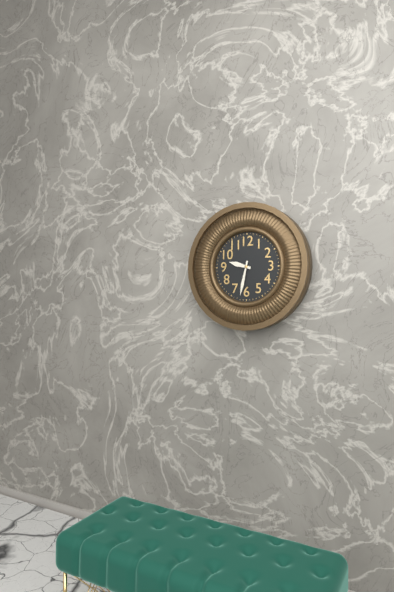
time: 9:32
